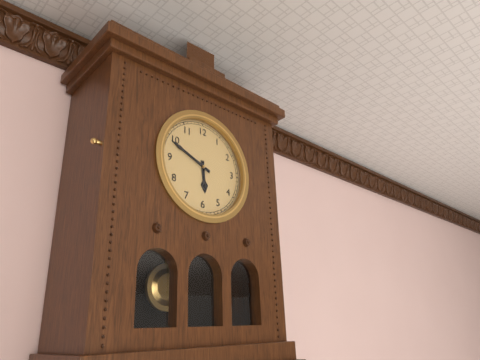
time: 5:49
